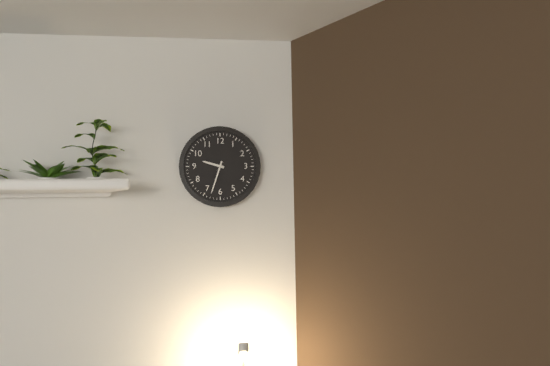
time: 9:33
